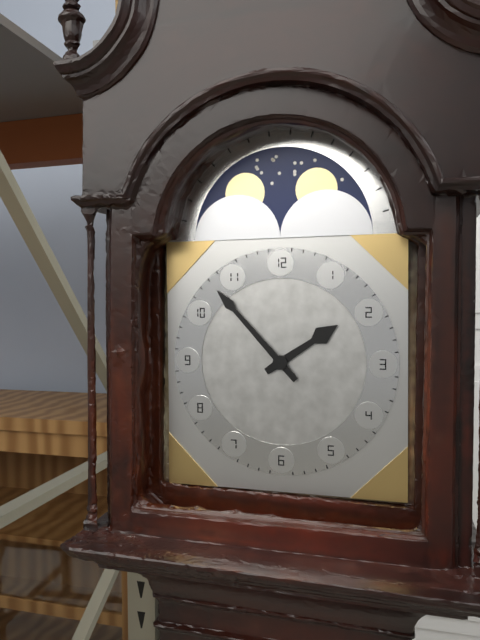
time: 1:53
